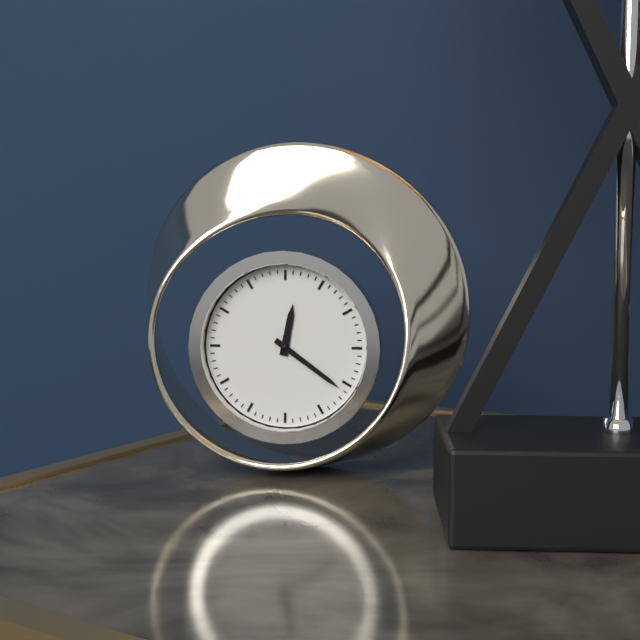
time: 12:21
